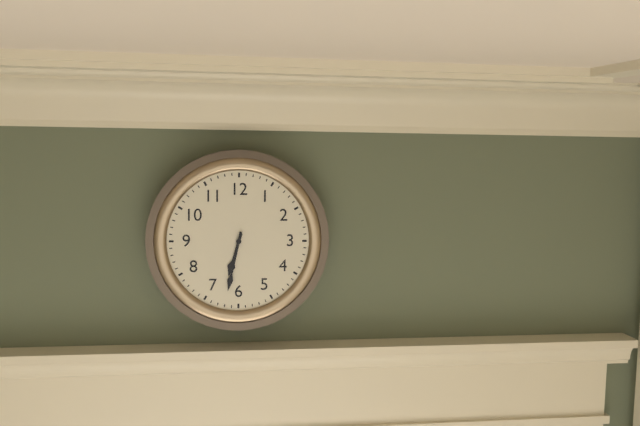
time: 6:32
